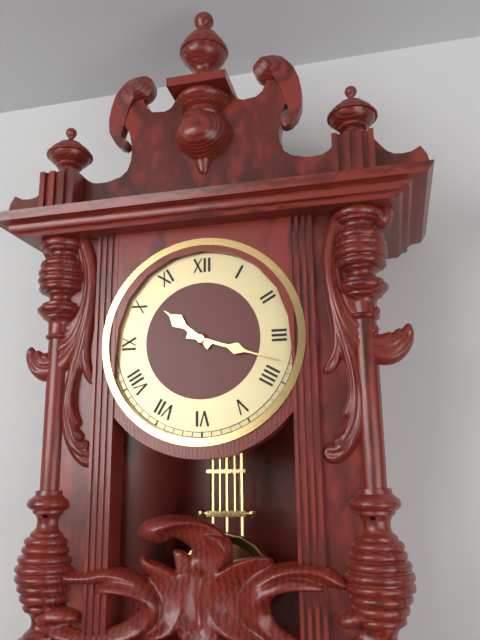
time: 10:18
